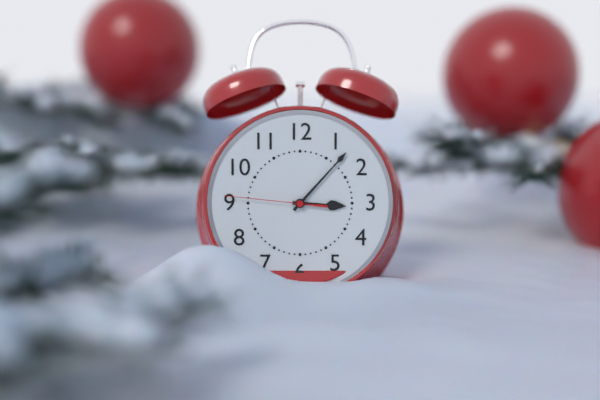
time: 3:07:46
